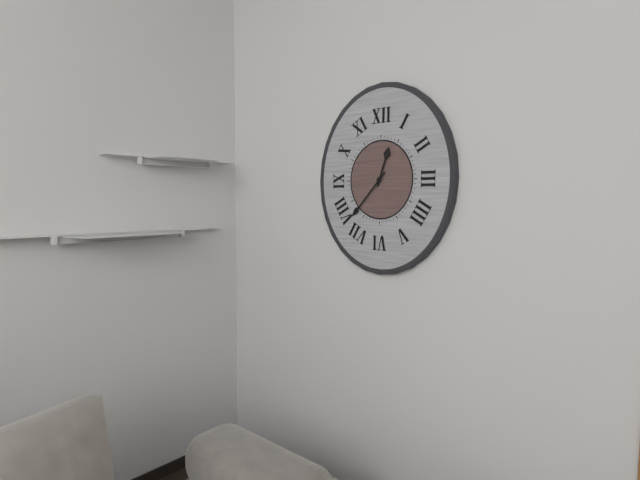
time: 12:37
